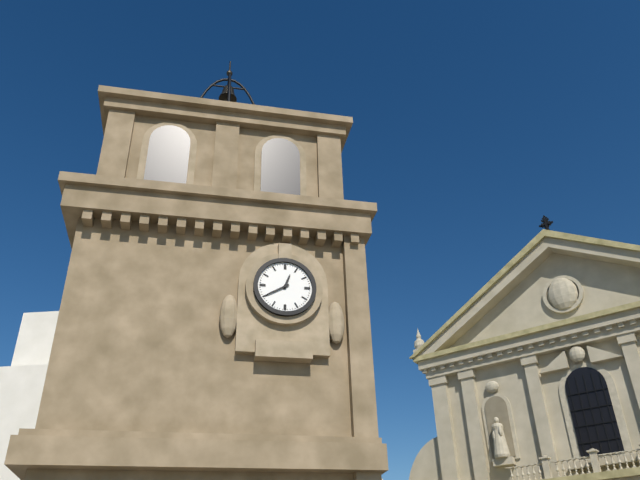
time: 12:40
